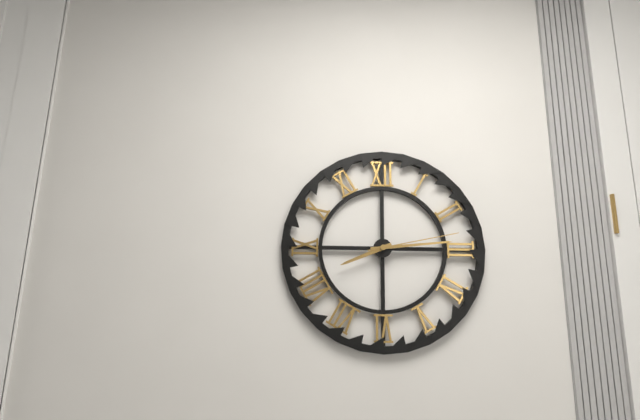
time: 8:14:13
